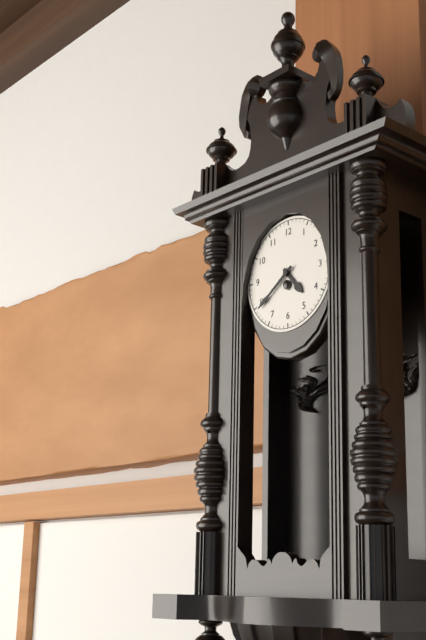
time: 4:39
